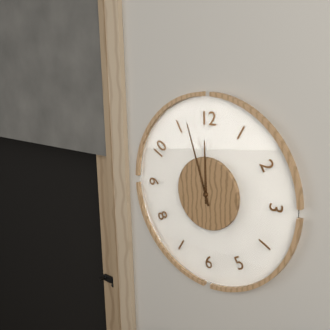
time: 11:57
